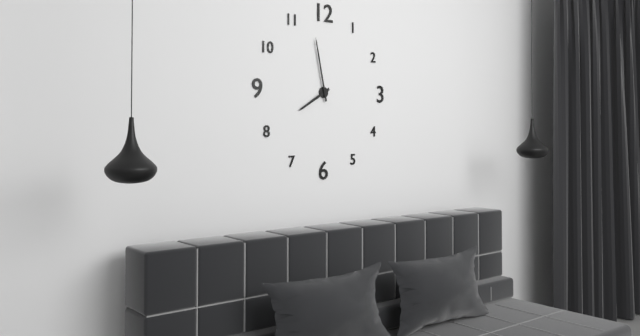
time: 7:58
